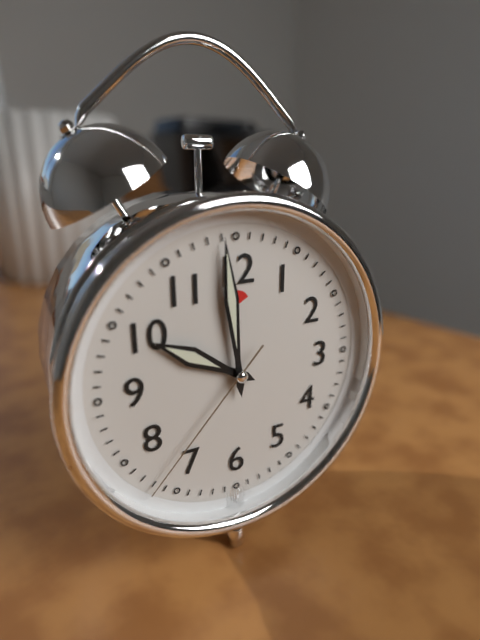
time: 9:59:37
